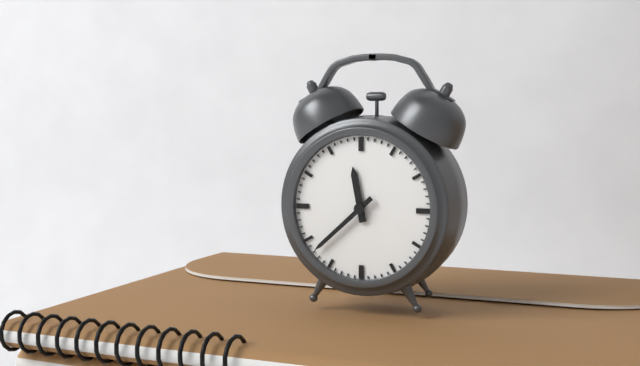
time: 11:38
